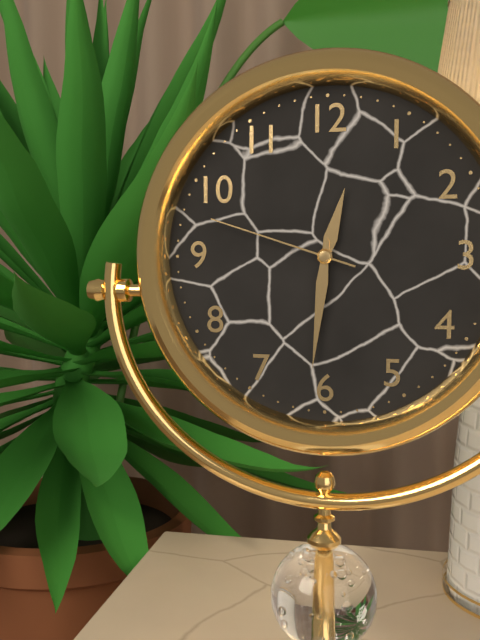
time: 12:31:48
